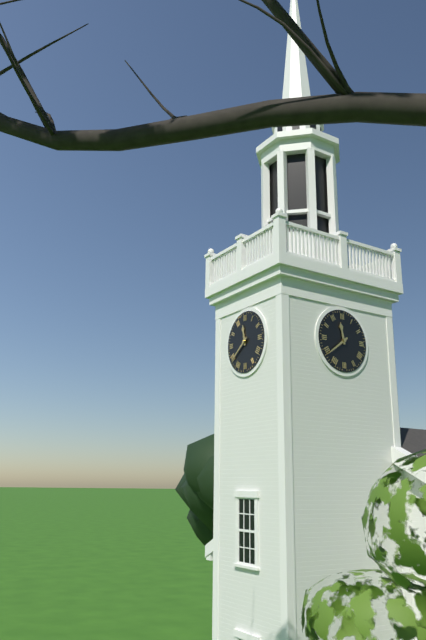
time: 11:39
